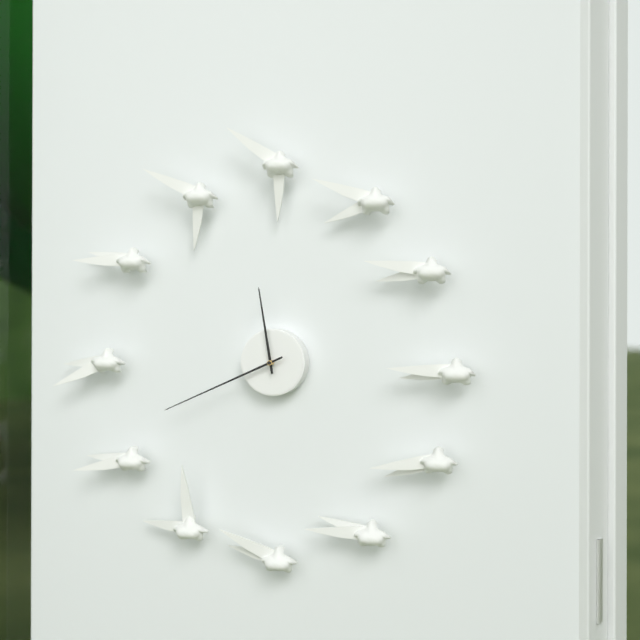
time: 11:41
